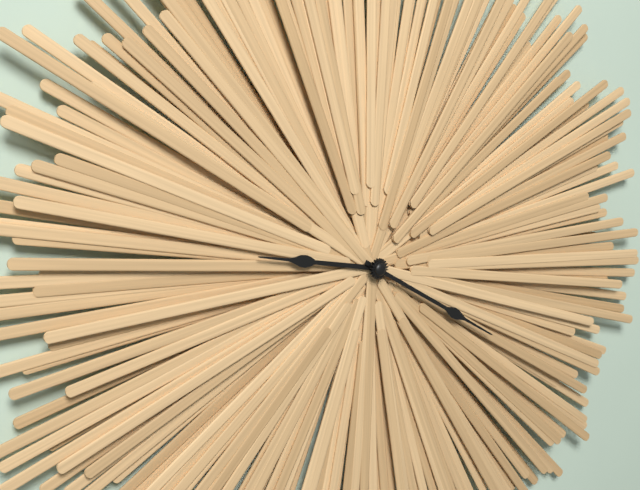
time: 9:20
